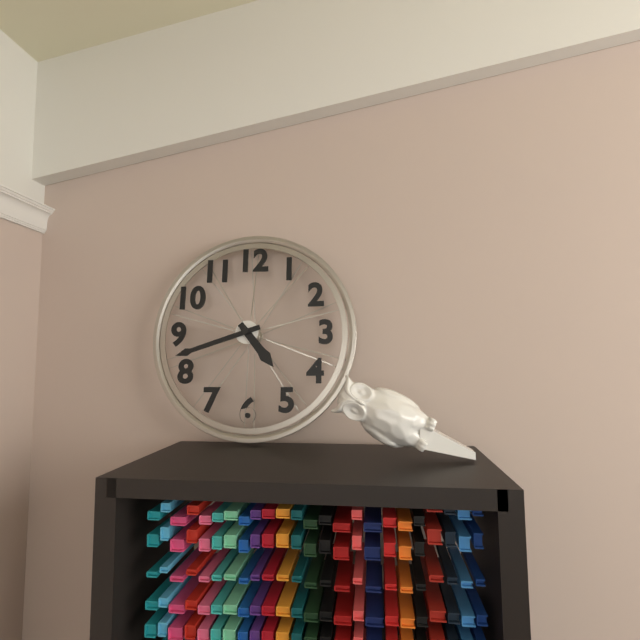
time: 4:42
